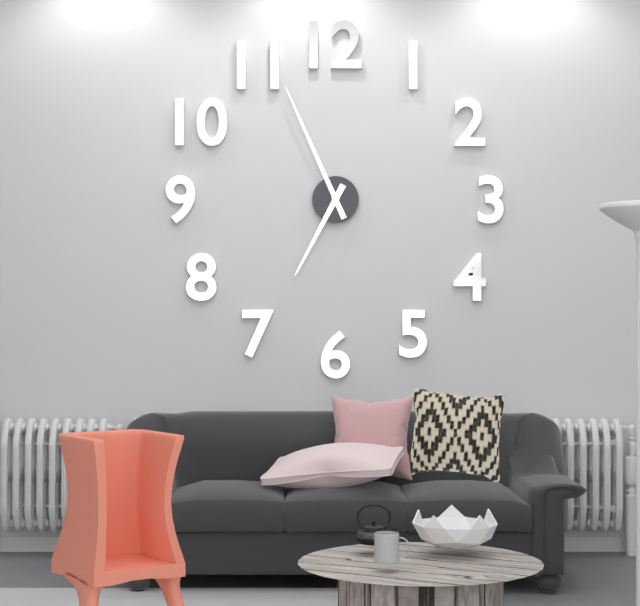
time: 6:56
